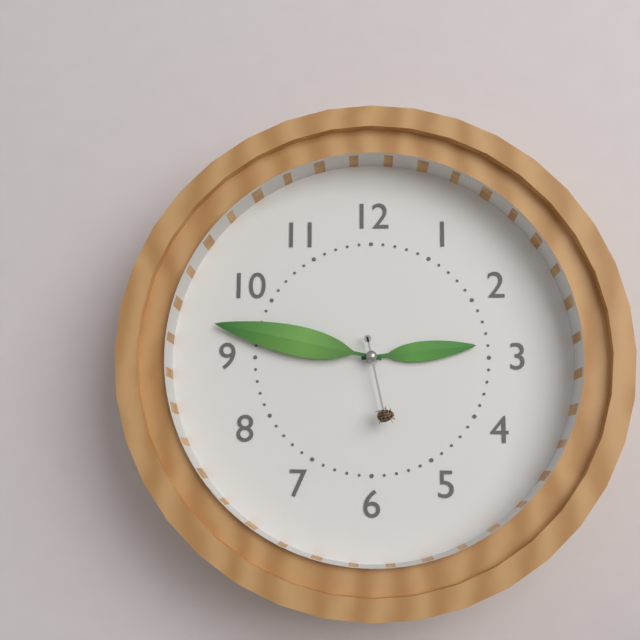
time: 2:47:28
